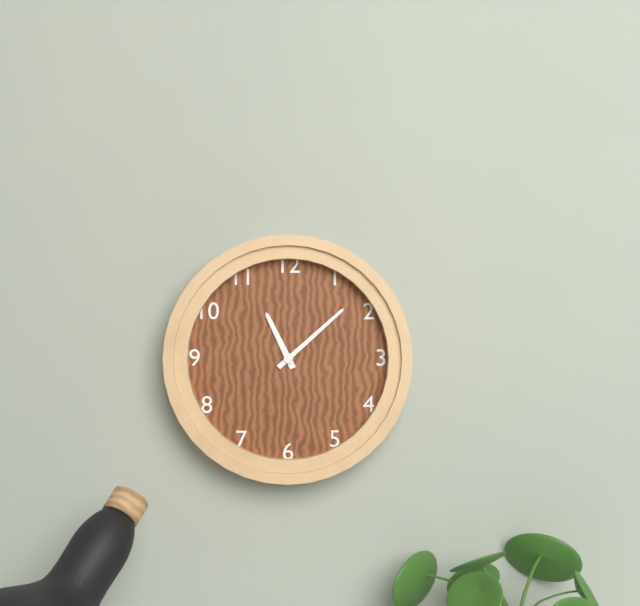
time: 11:08
